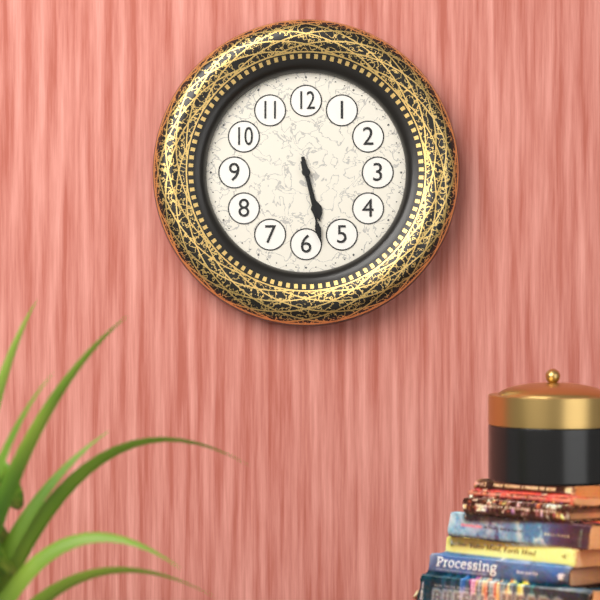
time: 5:28
